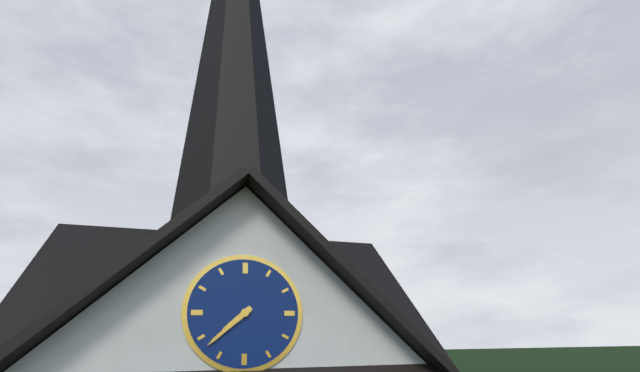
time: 7:38
